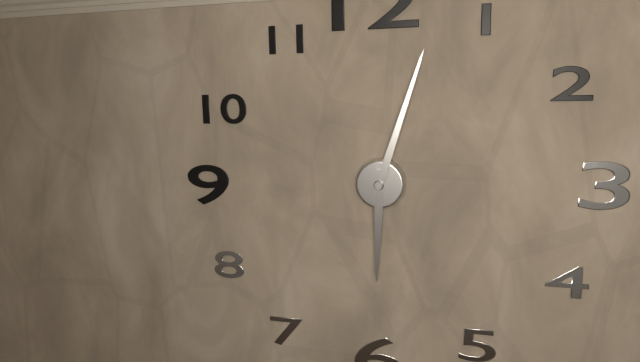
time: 6:03
